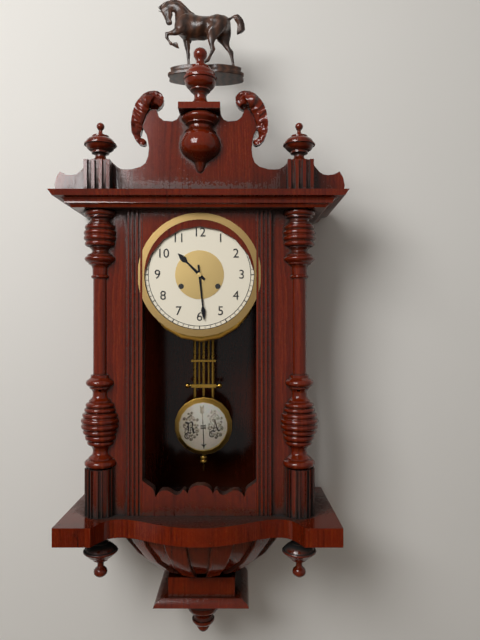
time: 10:29
